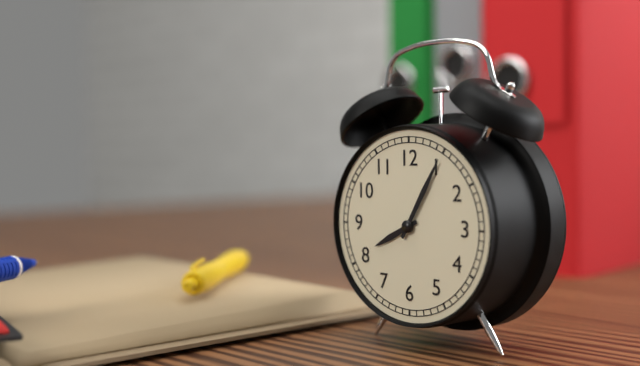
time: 8:05
